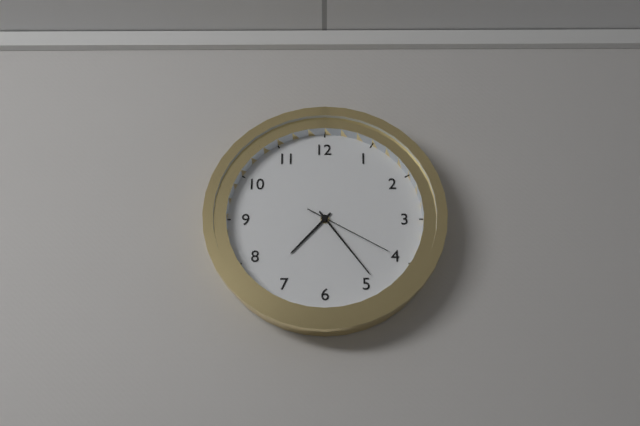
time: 7:24:20
